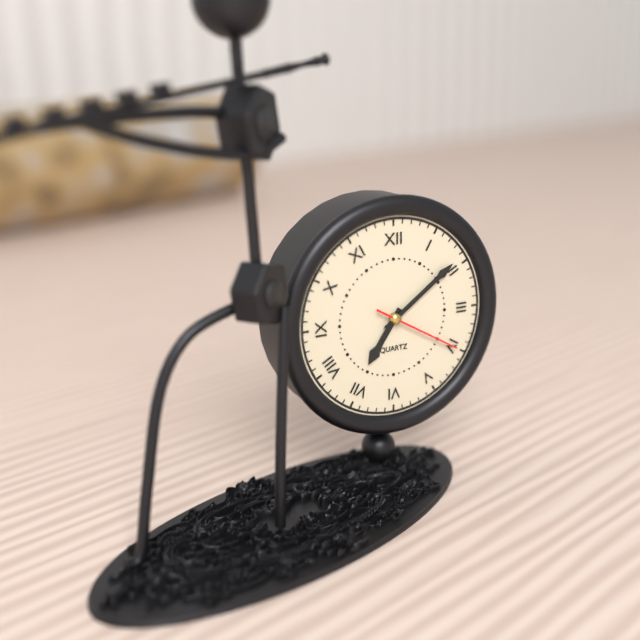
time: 7:09:20
